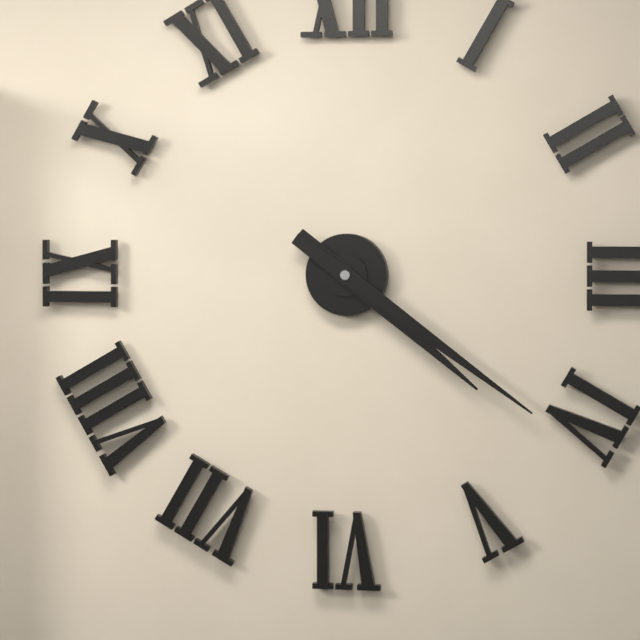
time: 4:21
